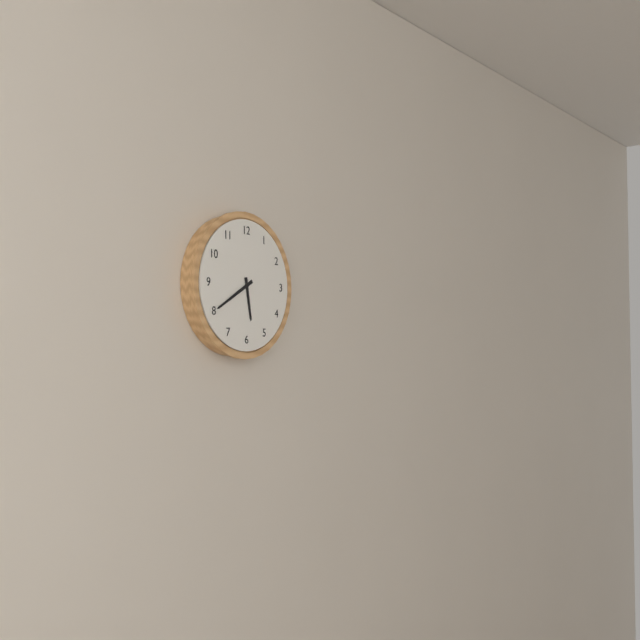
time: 5:40
